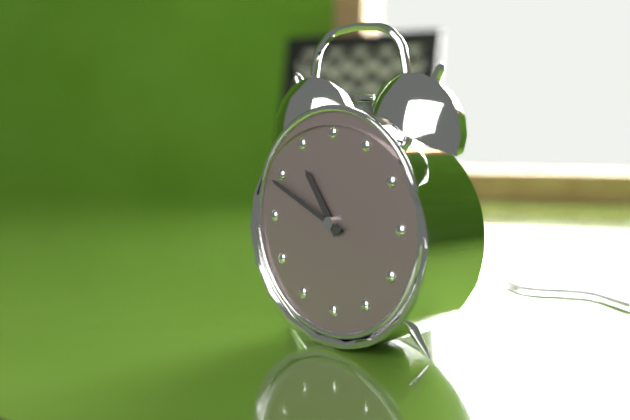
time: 10:49
